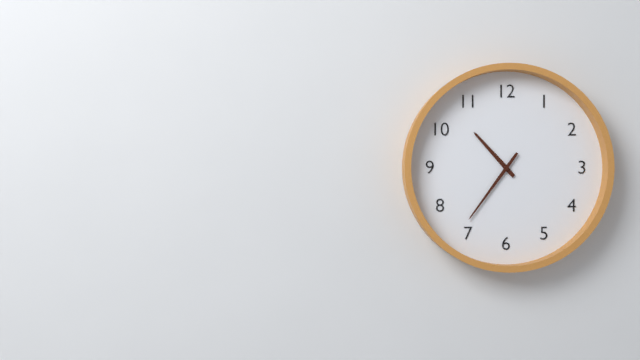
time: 10:36
